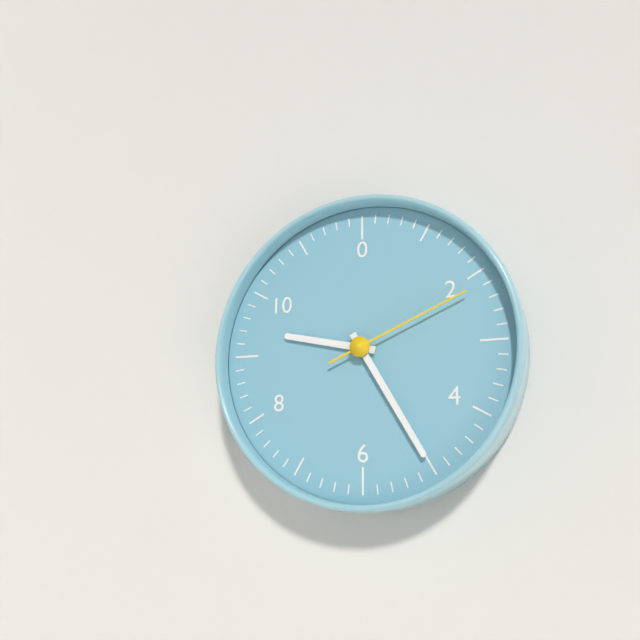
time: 9:25:11
